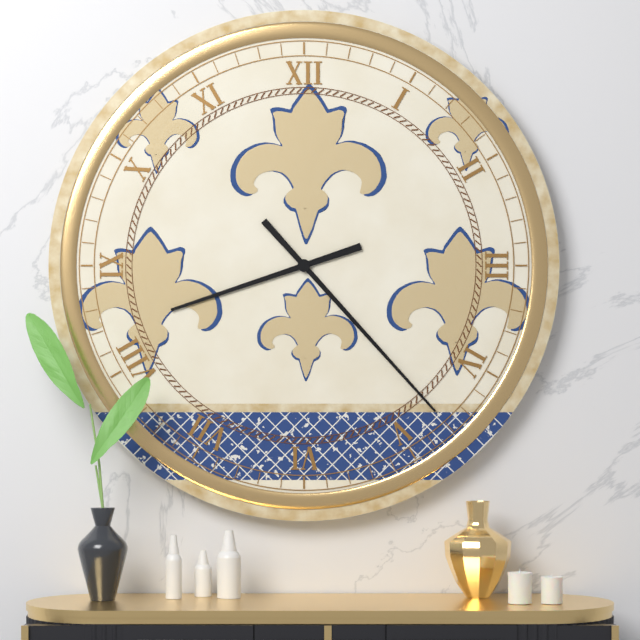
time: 8:23
